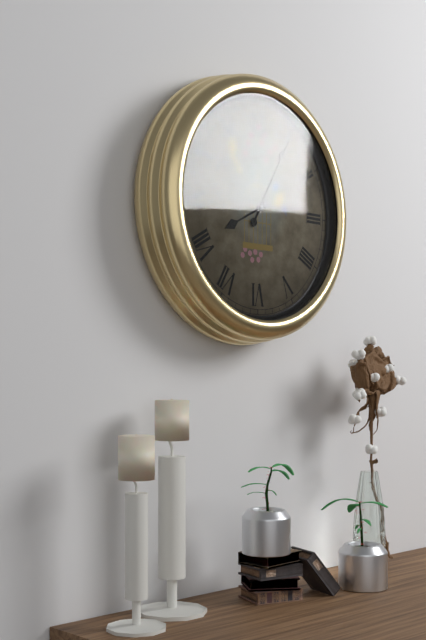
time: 8:05:05
